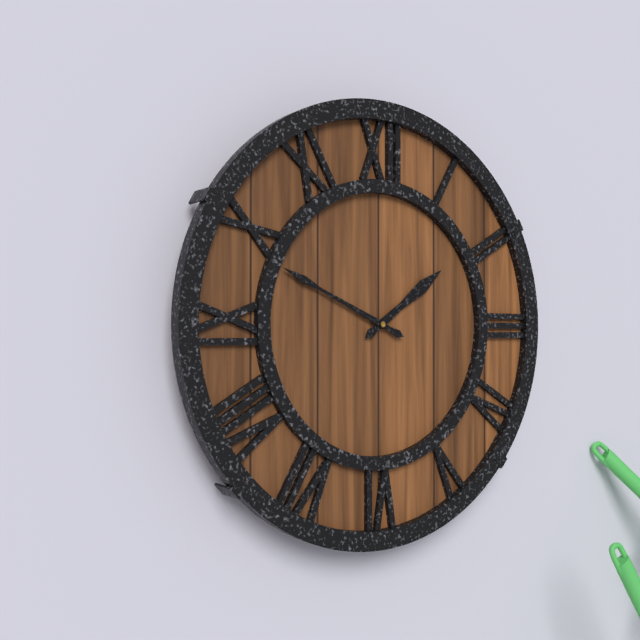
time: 1:49
